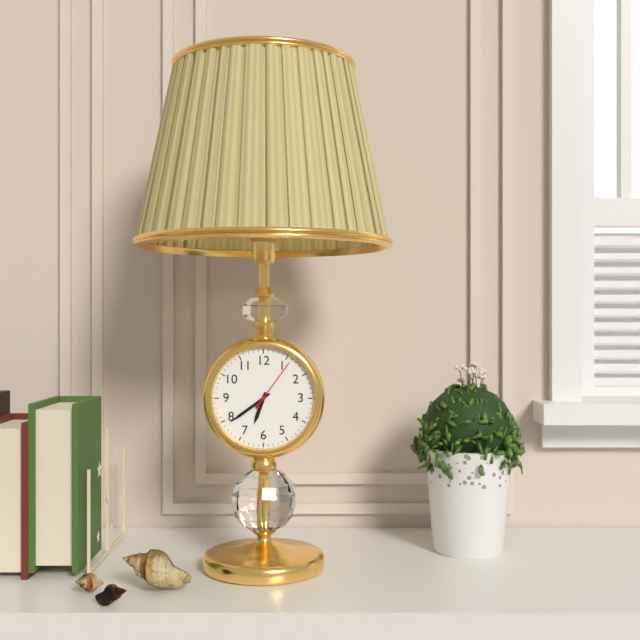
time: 6:39:06
